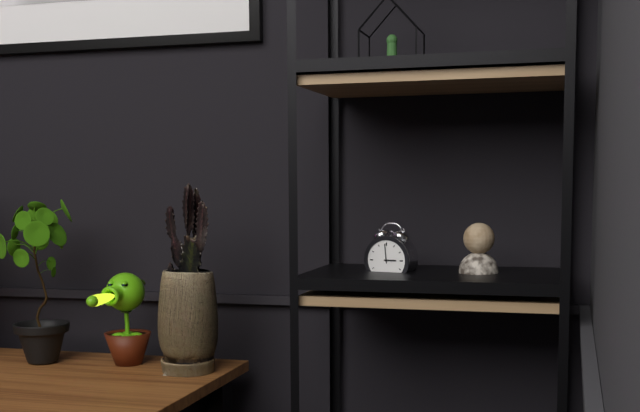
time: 2:59
